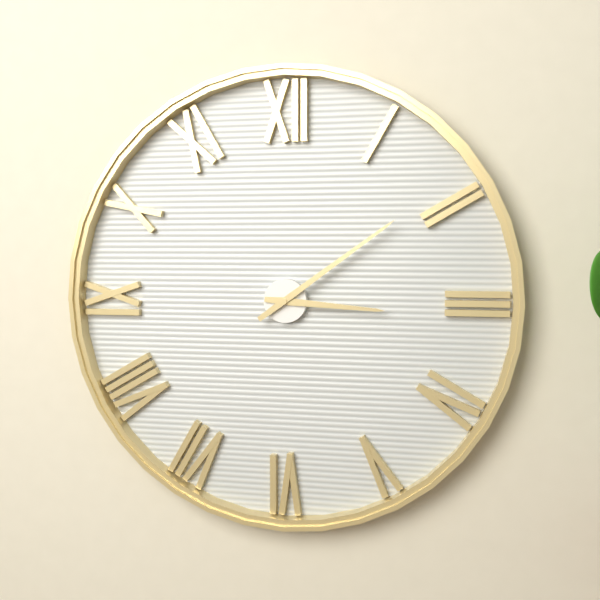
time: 3:09
